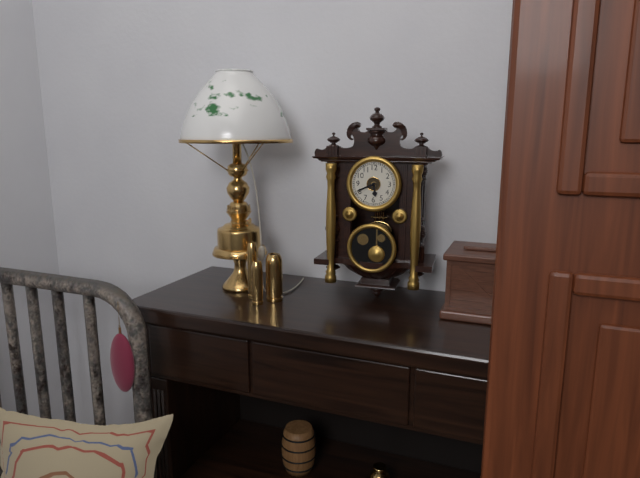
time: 5:41
